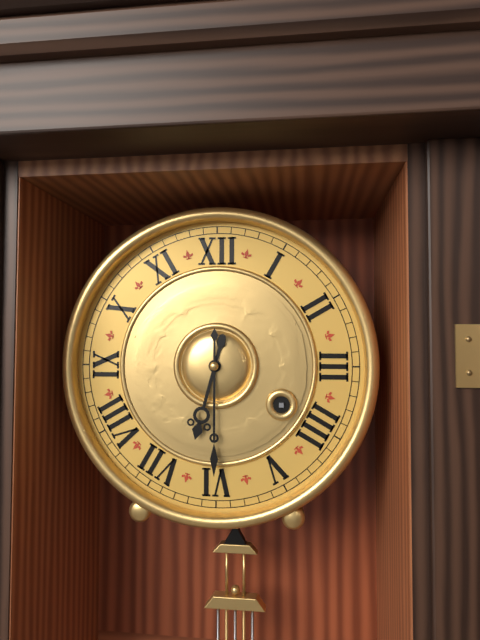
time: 6:30
